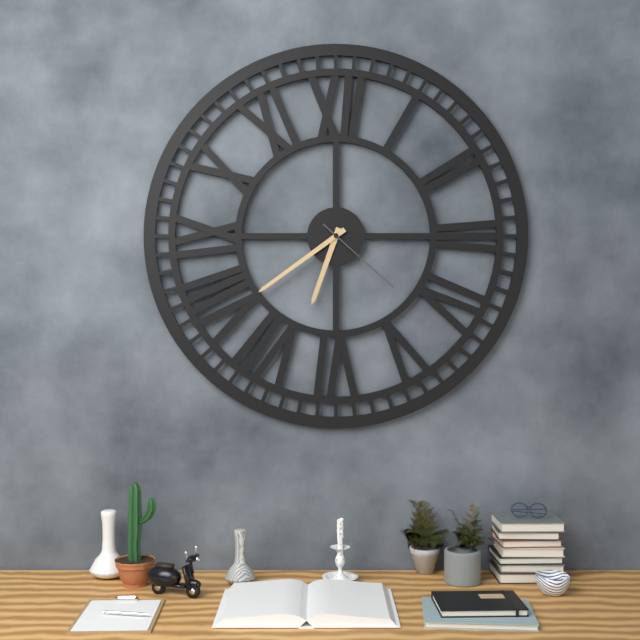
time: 6:39:22
